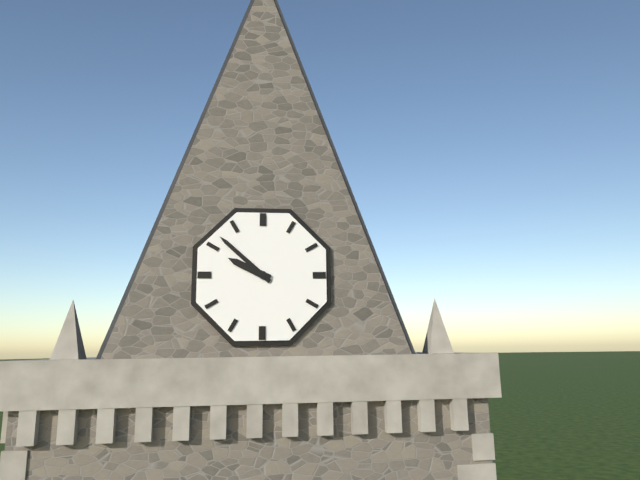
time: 9:52
